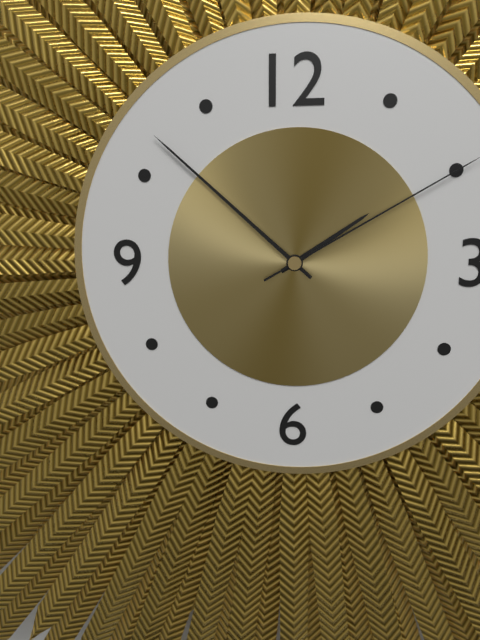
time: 1:52
